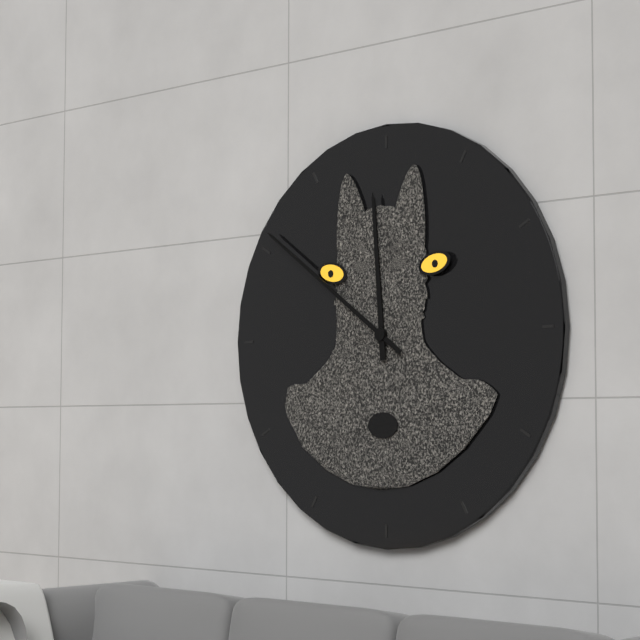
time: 11:51
